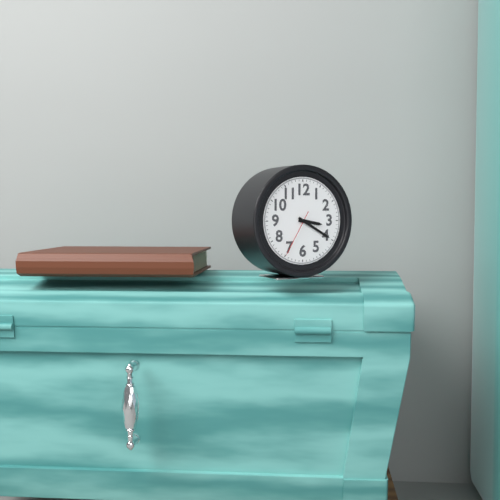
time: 3:20
